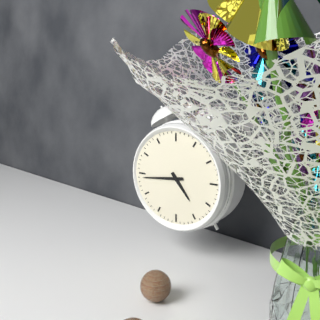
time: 4:44
